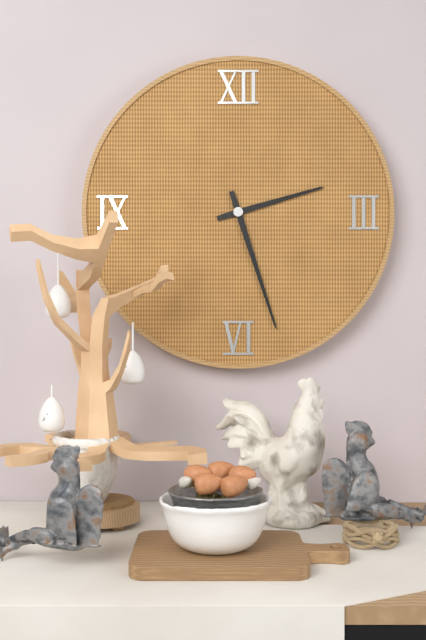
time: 2:27
